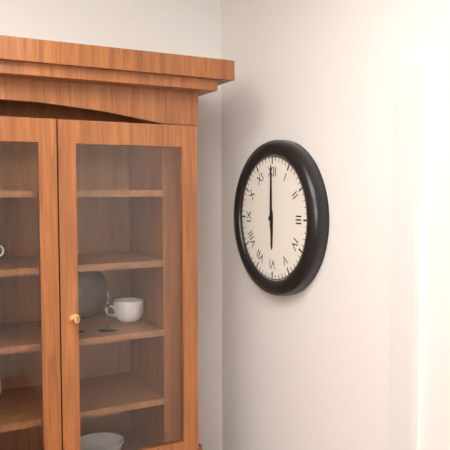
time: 6:00
